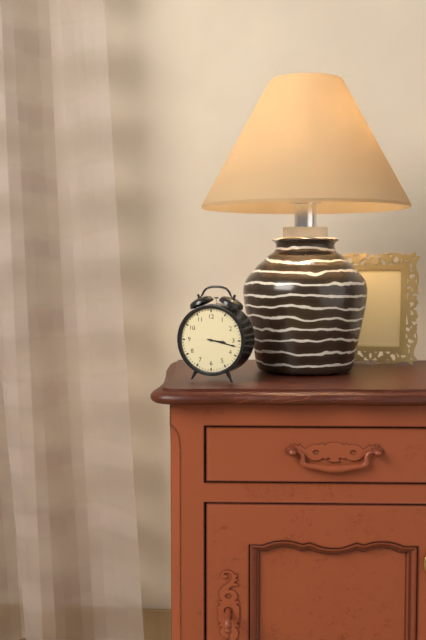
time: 3:17
